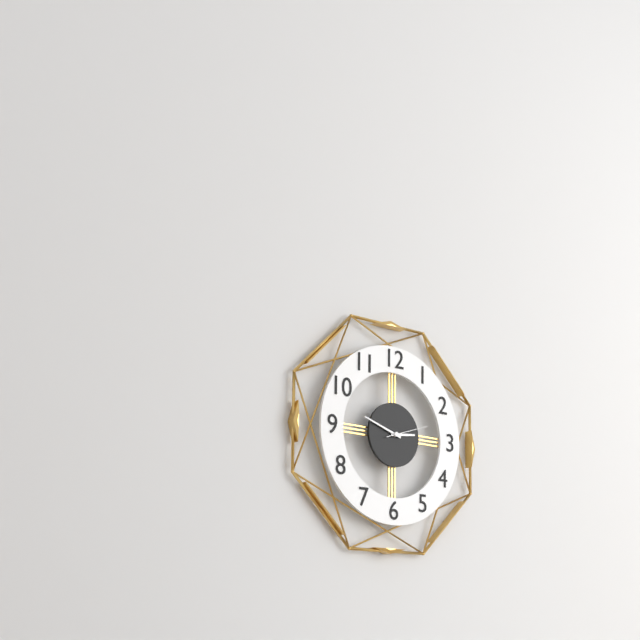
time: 2:48:12
